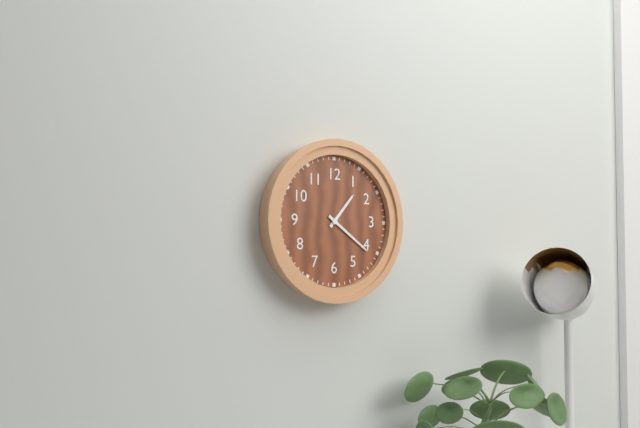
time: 1:21
